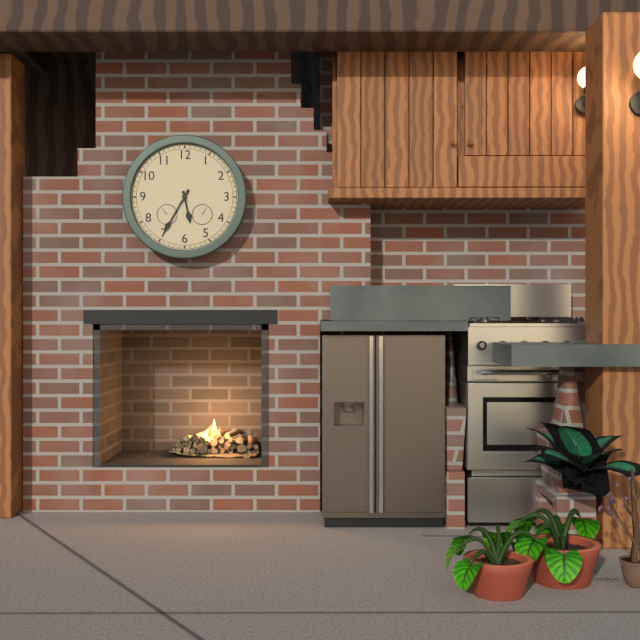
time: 5:35
